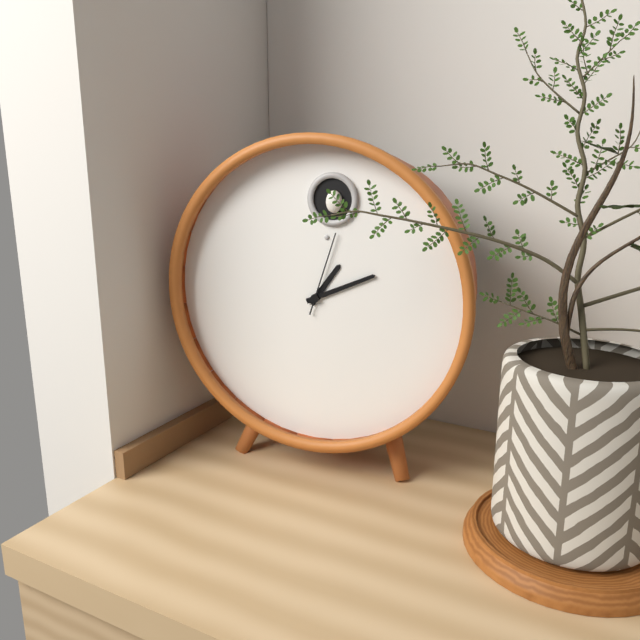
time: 1:11:03
